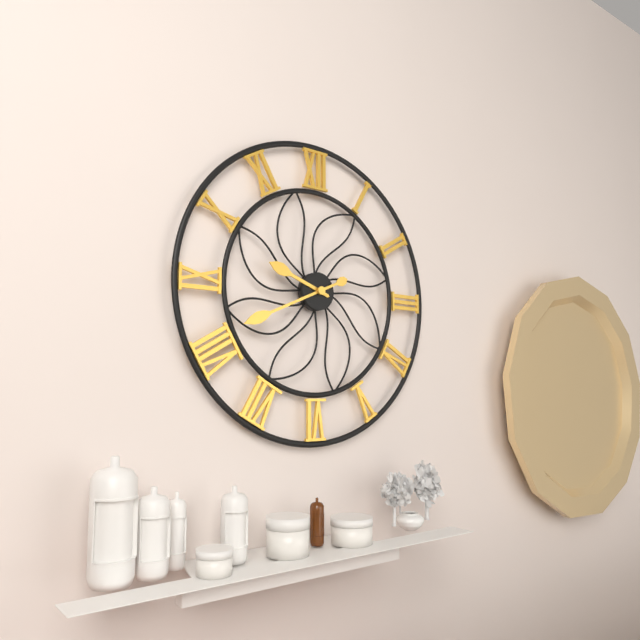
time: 9:41
